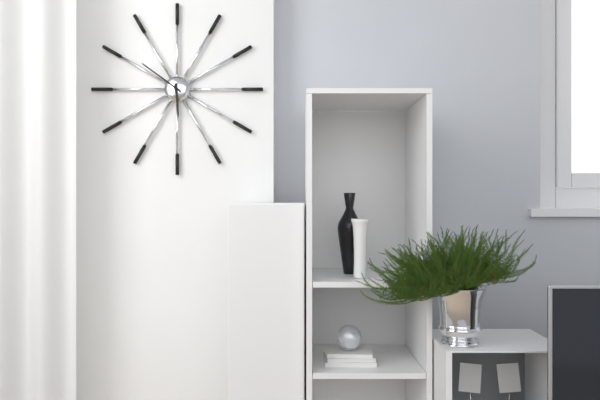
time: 5:51
